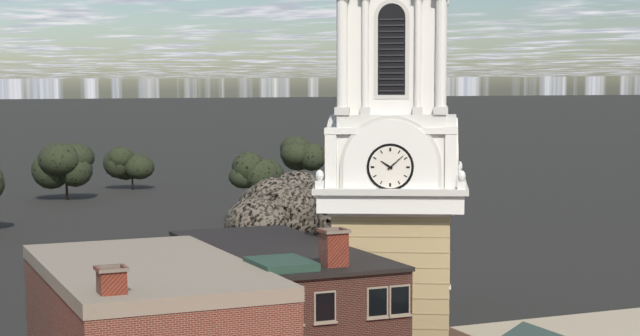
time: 10:08
